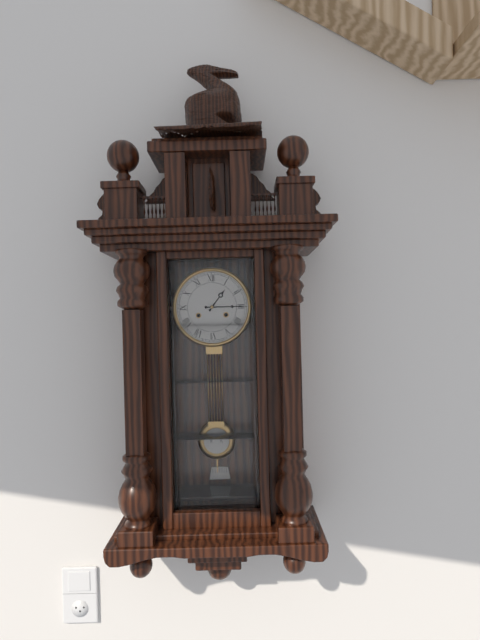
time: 1:15
